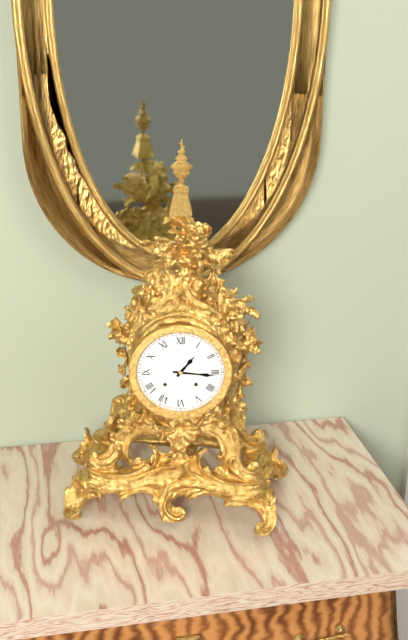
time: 1:16
